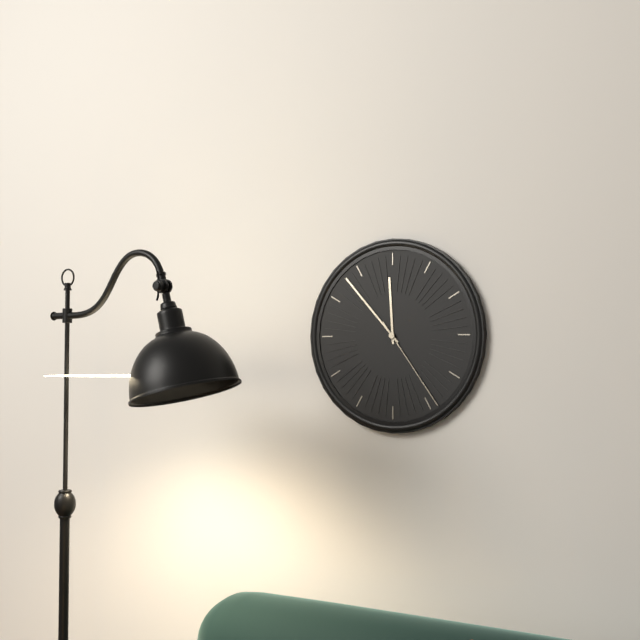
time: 11:53:24
